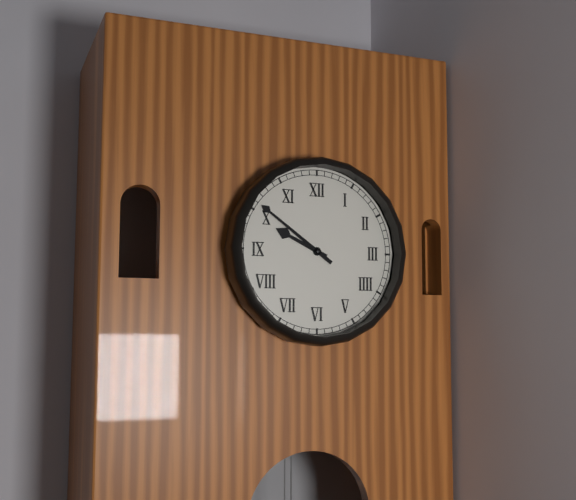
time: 9:51
